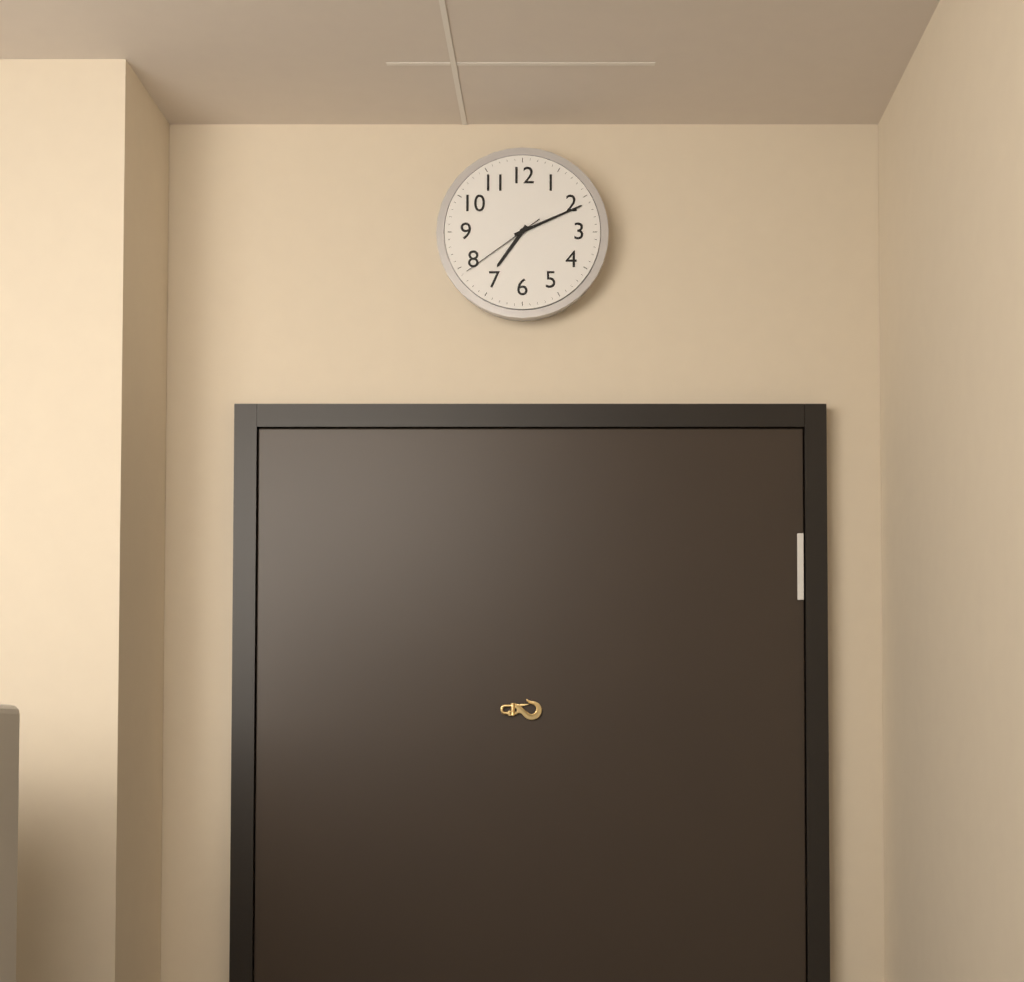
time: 7:11:39
